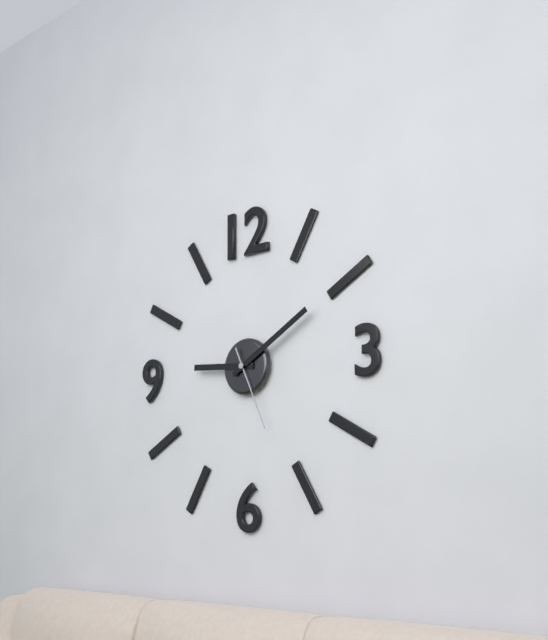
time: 9:10:26
